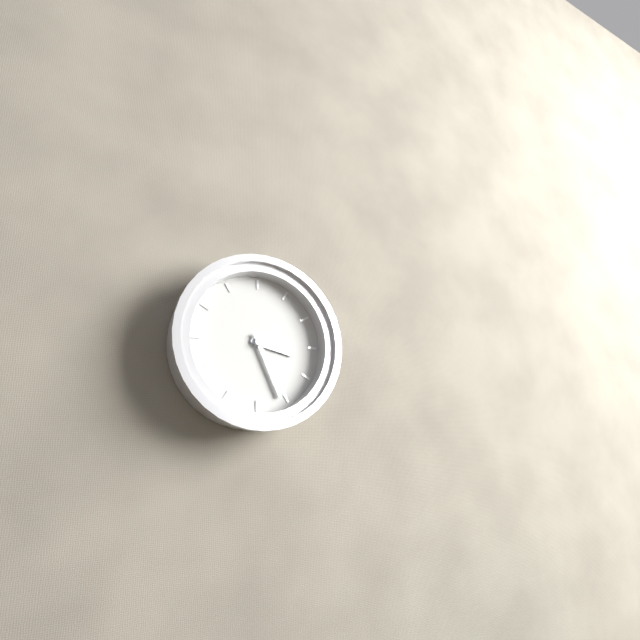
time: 3:26
